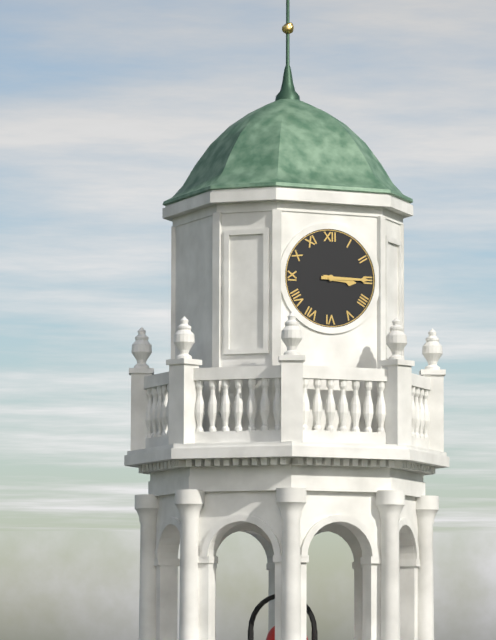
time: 3:15
